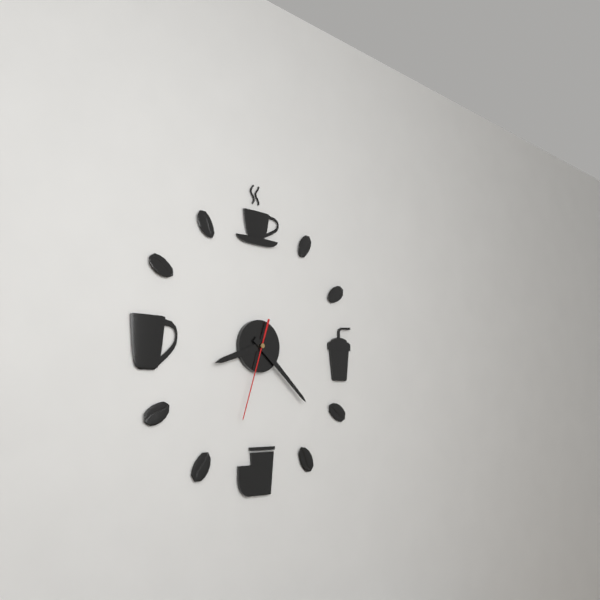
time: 8:22:33
